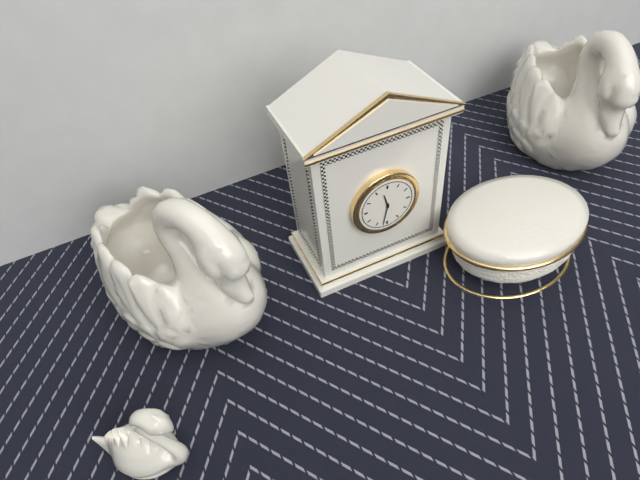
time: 11:32
